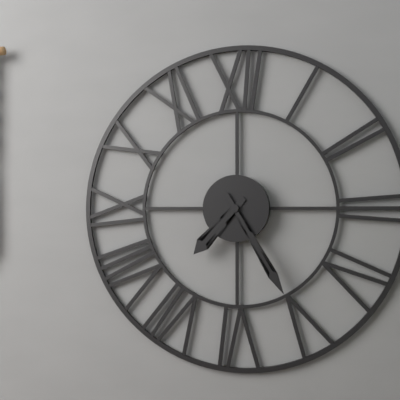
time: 7:25
